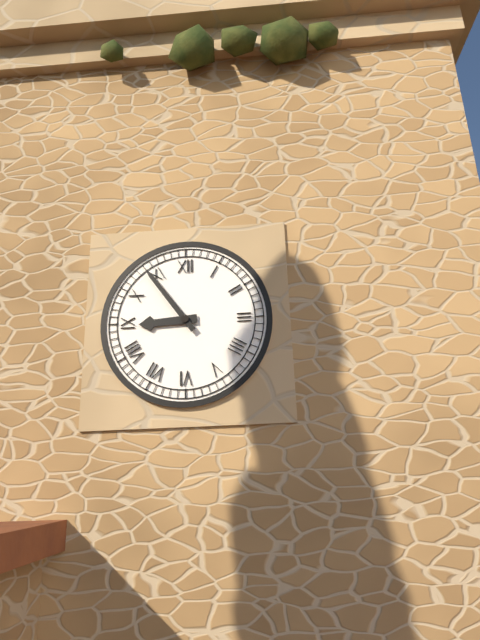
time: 8:54
